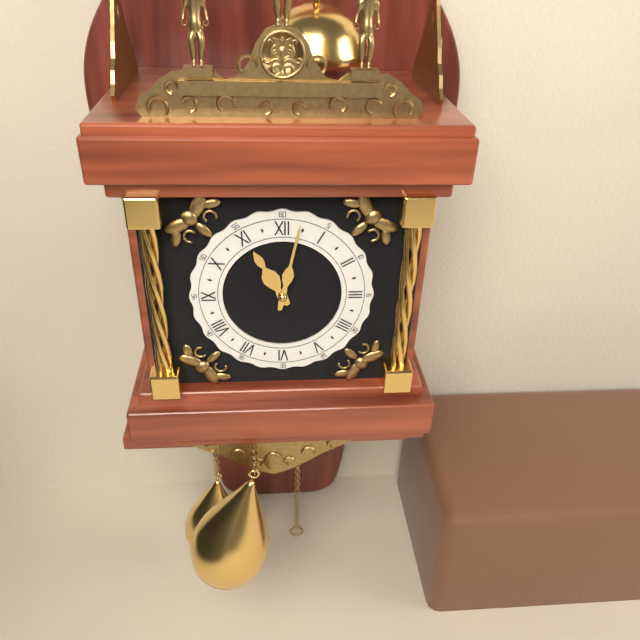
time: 11:02
